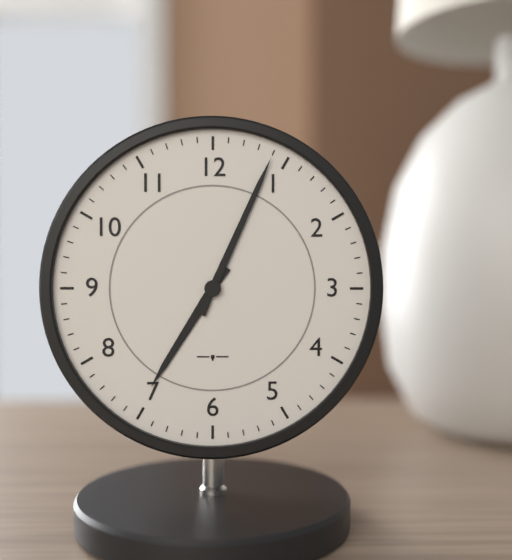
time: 7:04
